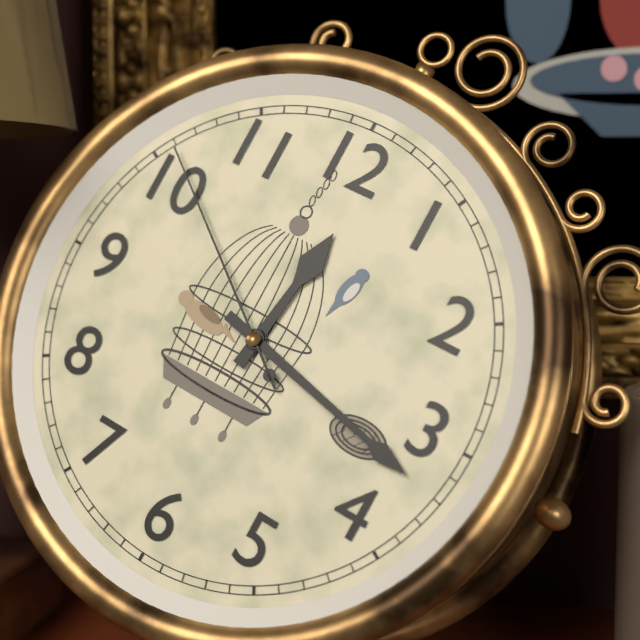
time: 12:17:51
